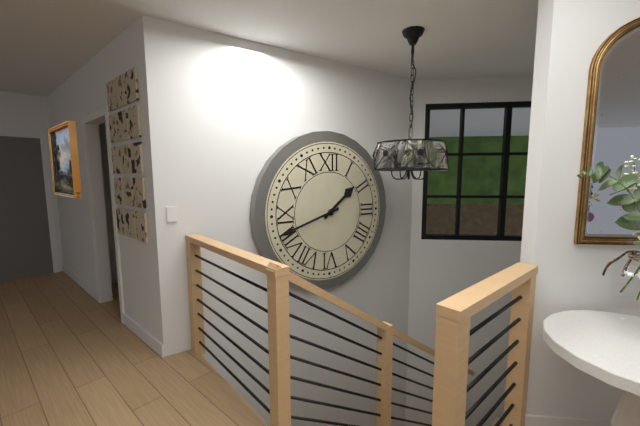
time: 1:42
